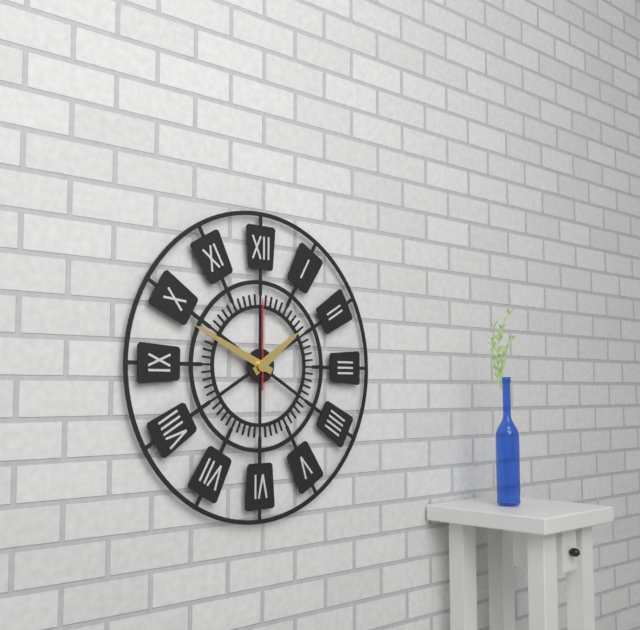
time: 1:49:00
